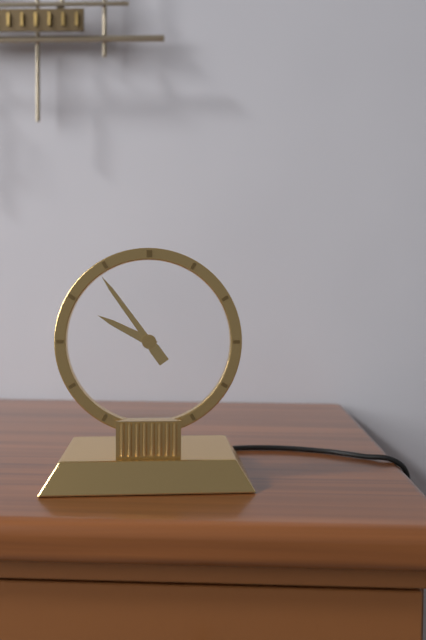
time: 9:54
